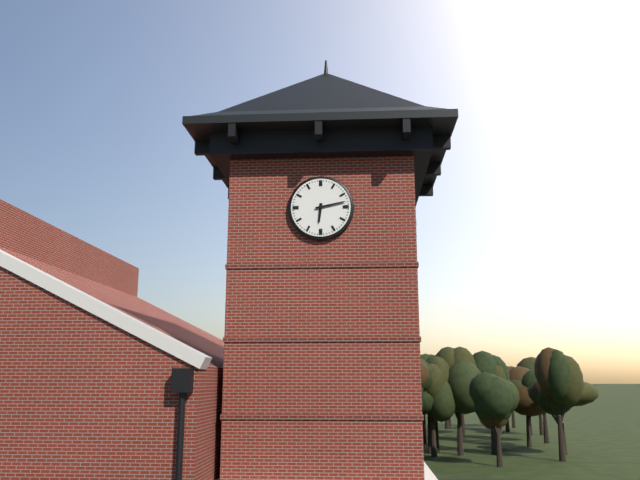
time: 6:13
